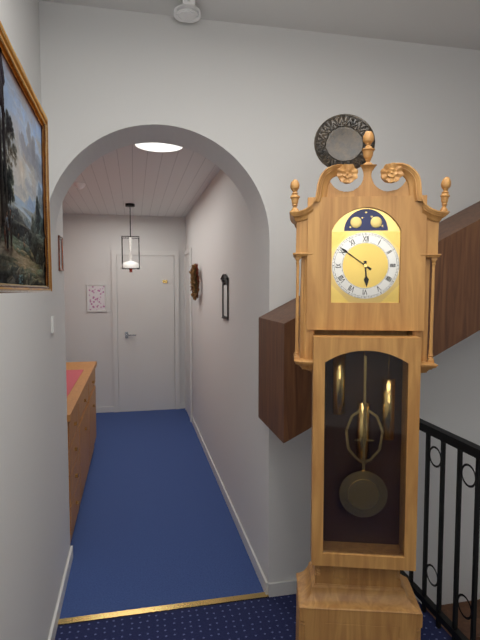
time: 5:51
